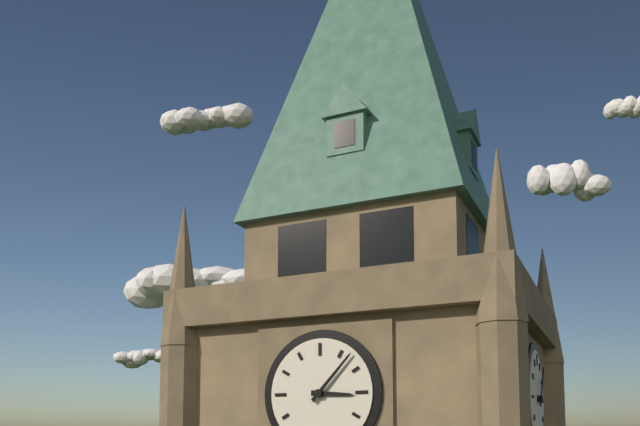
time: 3:07
